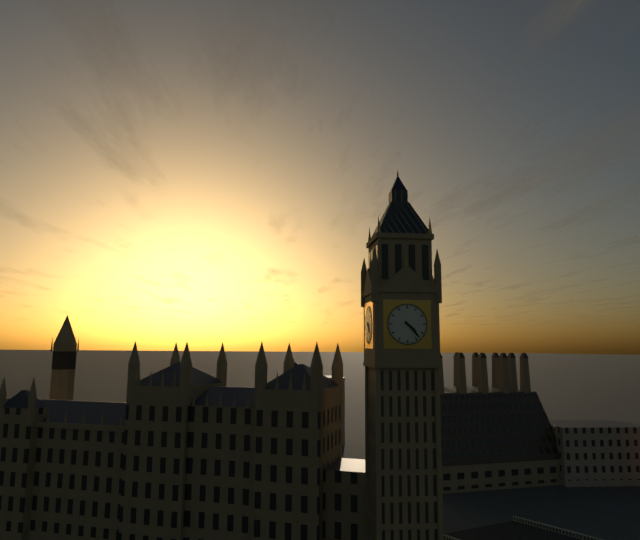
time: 4:23
